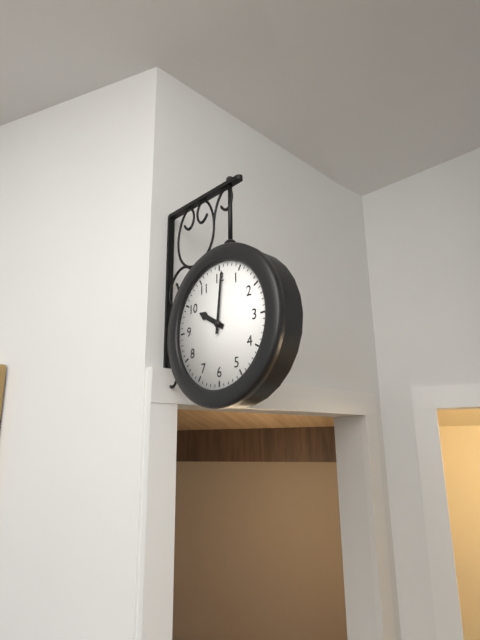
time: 10:01
